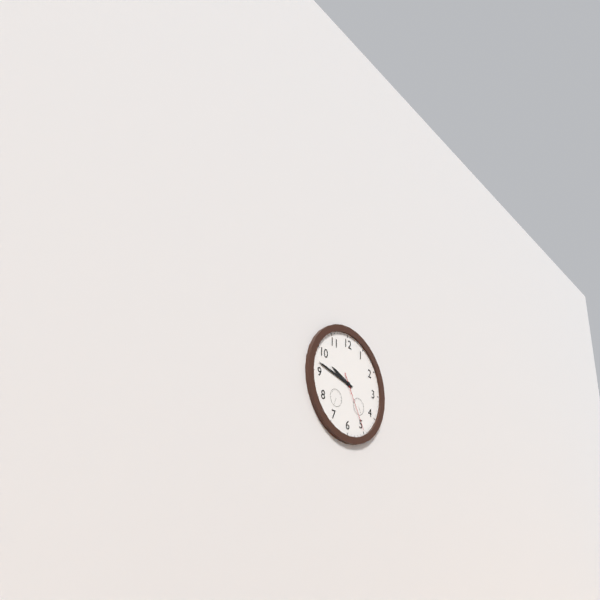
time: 9:47:25
